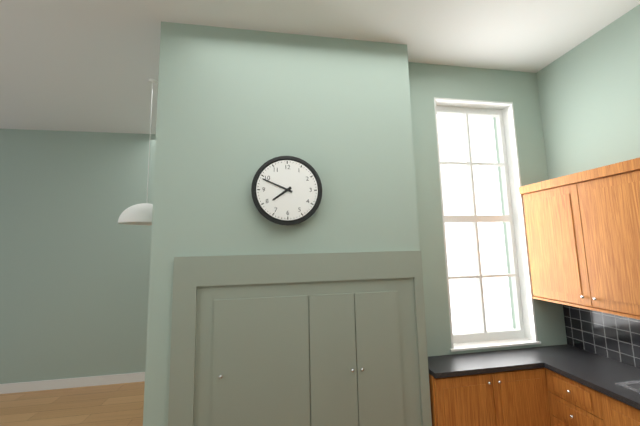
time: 7:49
